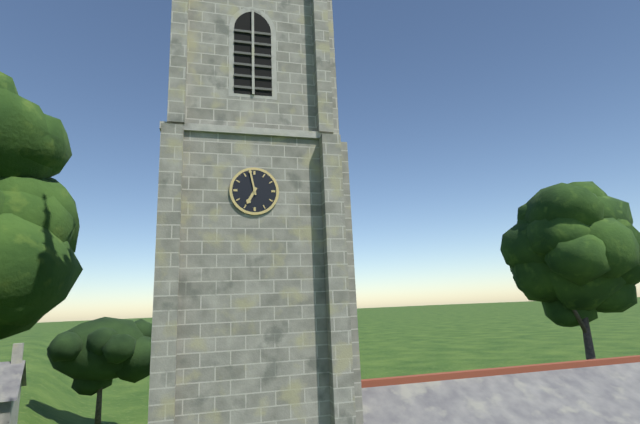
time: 6:58
